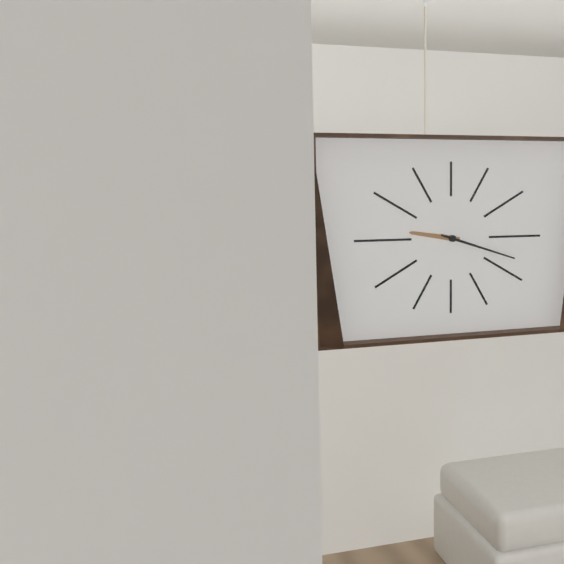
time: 9:18
